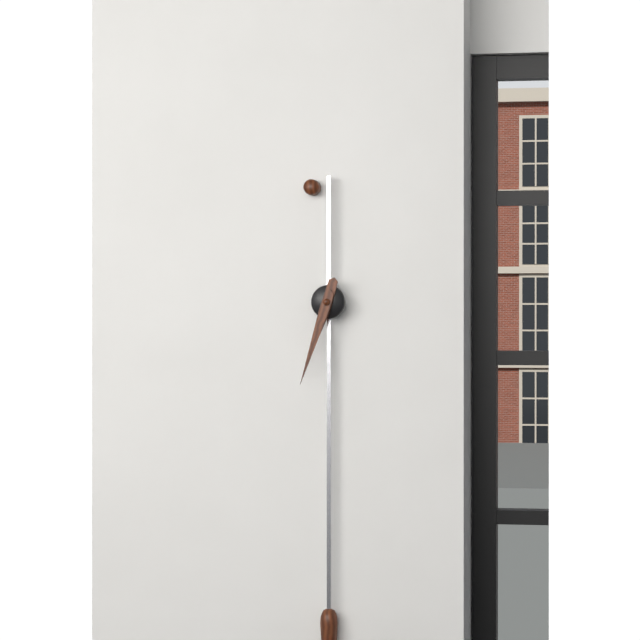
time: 6:33
